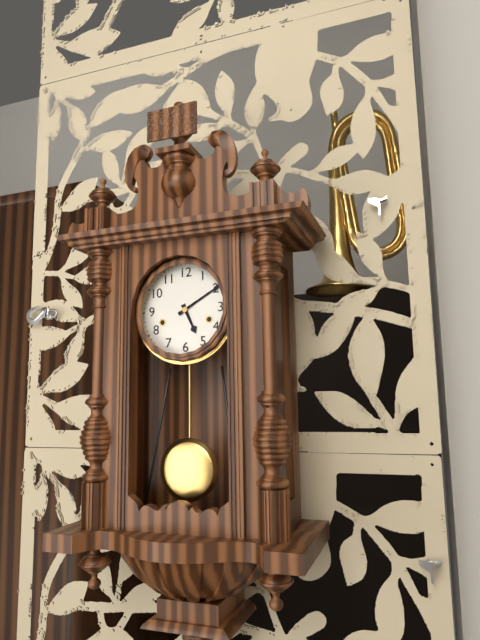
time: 5:10
